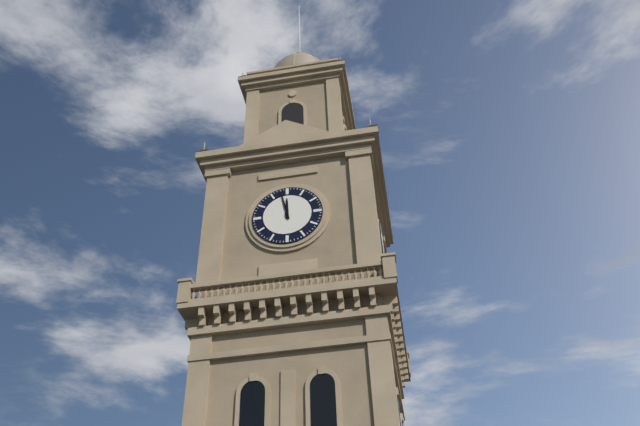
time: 11:58
